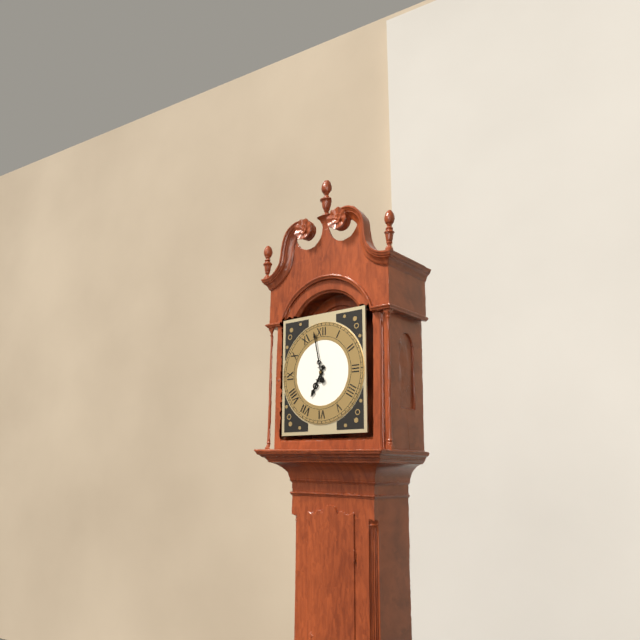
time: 6:58
